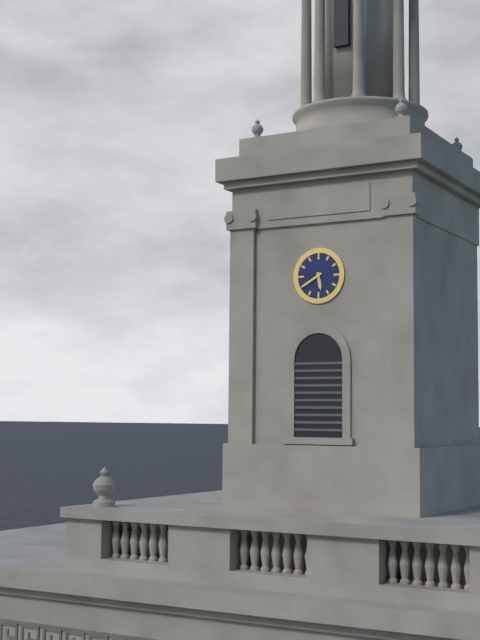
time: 5:40
